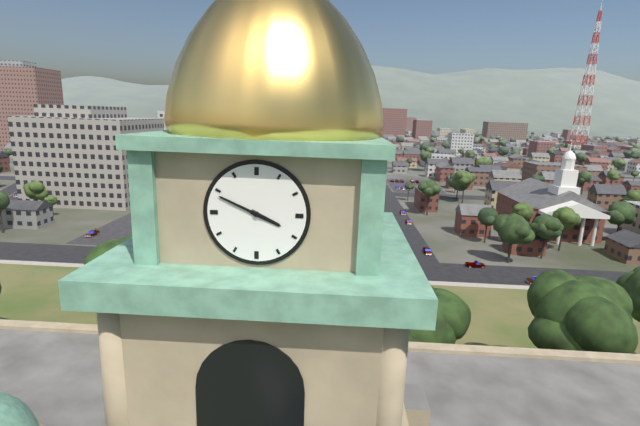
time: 3:49
